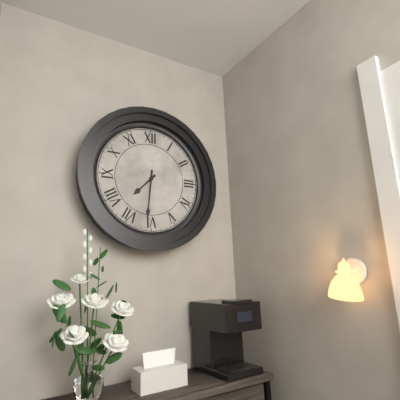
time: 7:31
